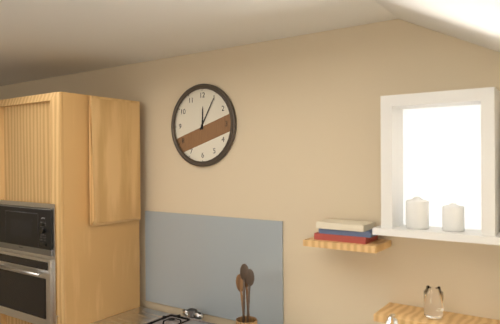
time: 12:05
